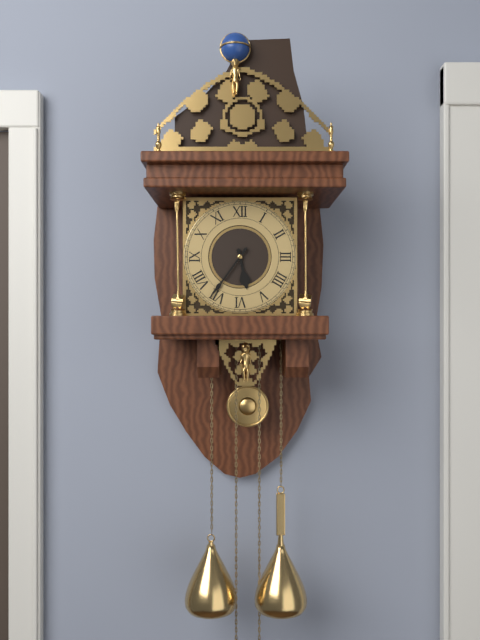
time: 5:36
